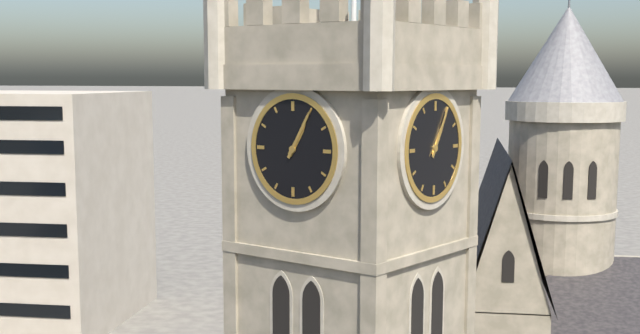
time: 1:05
